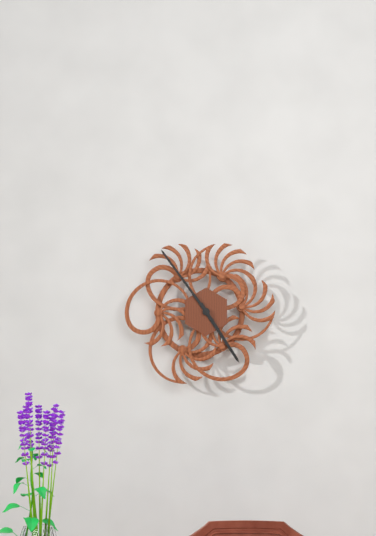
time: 4:54
